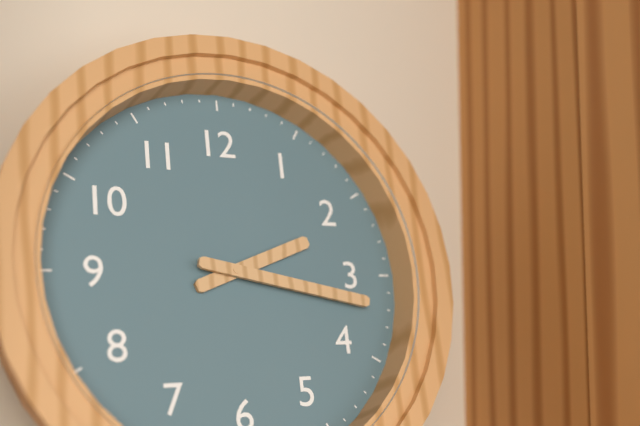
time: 2:17
